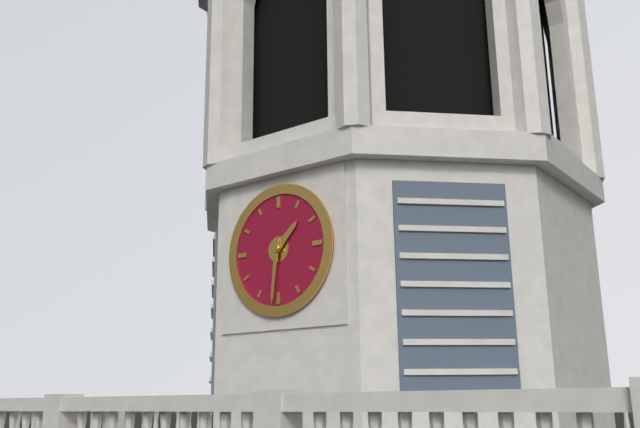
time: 1:31
